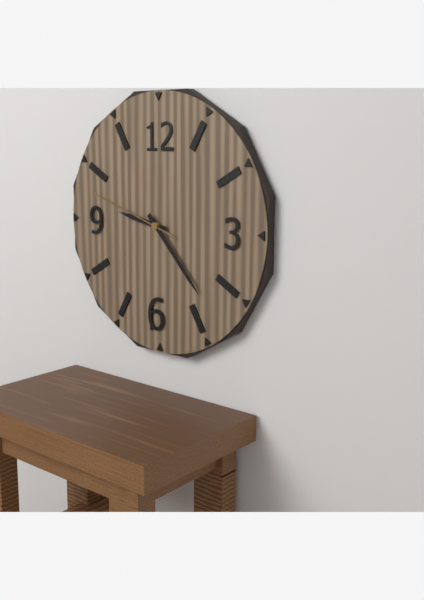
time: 9:23:48
